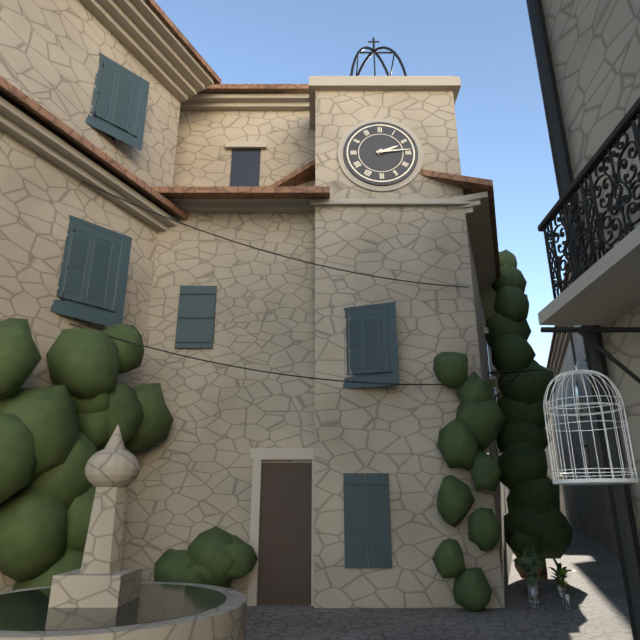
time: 2:14
